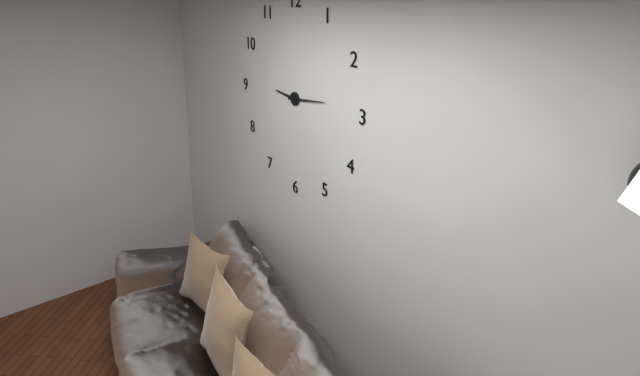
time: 9:14
